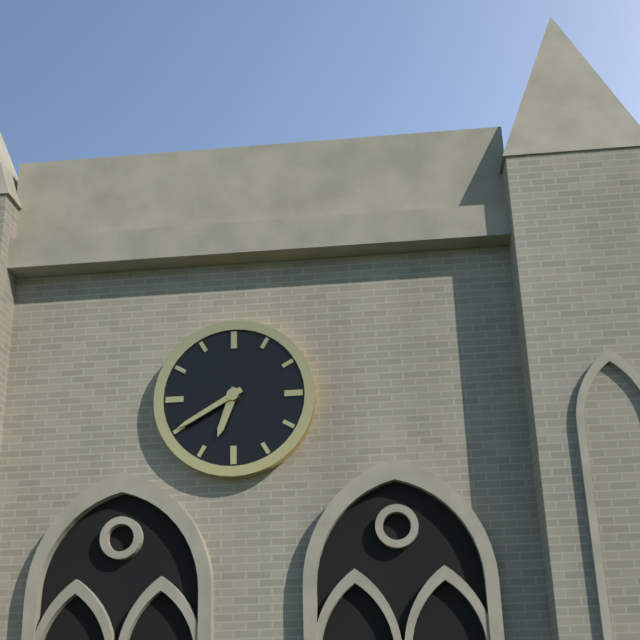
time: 6:40
